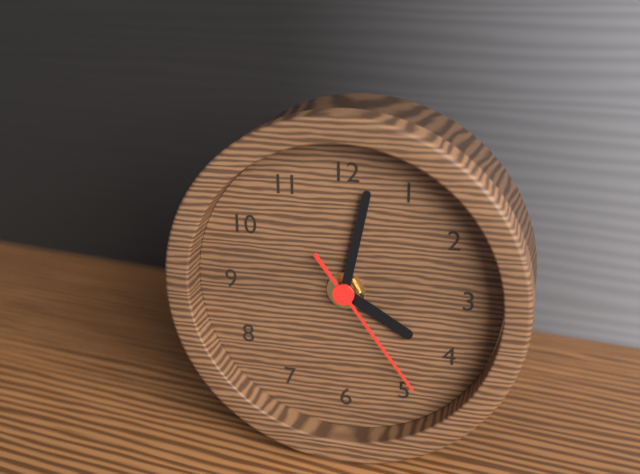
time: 4:02:24
